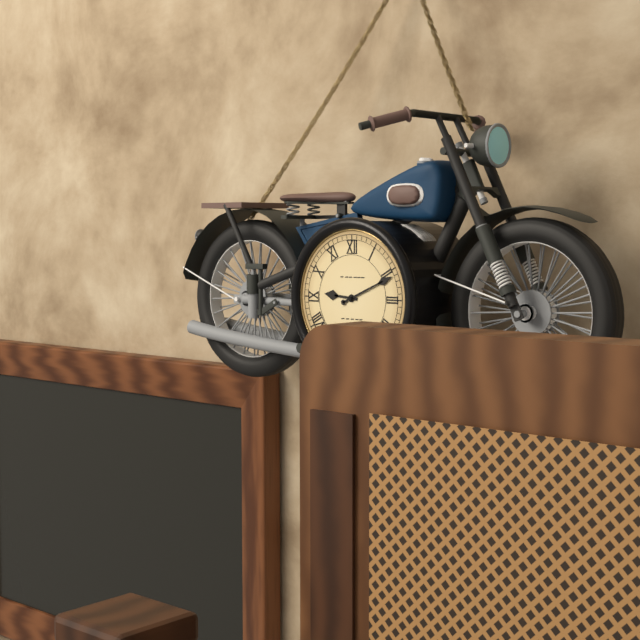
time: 9:11
